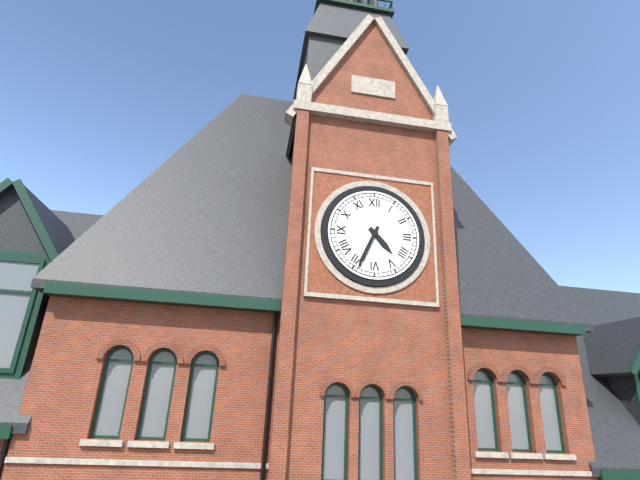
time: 4:34
